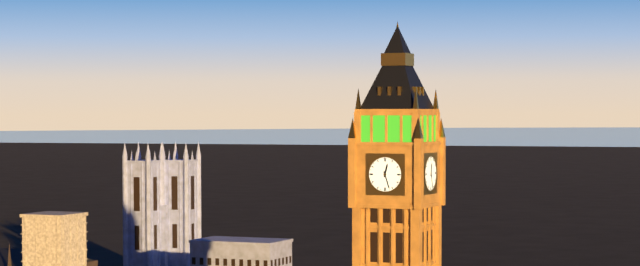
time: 12:27
